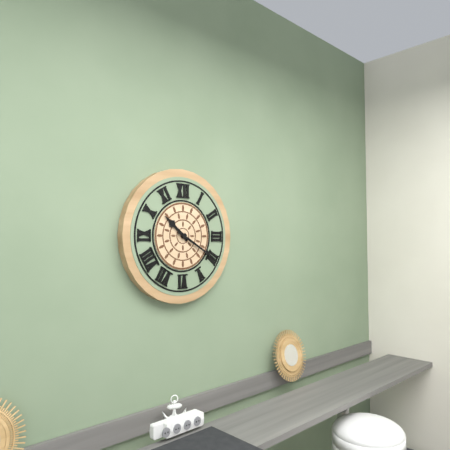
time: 10:20
